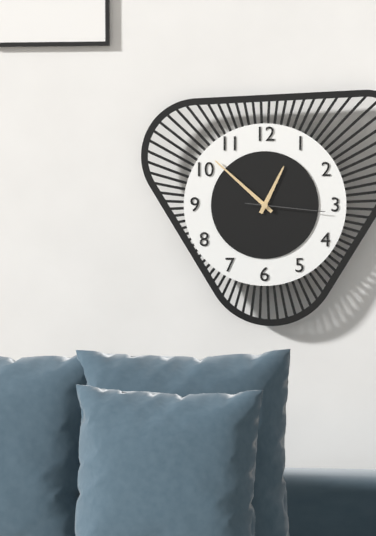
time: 12:52:16
